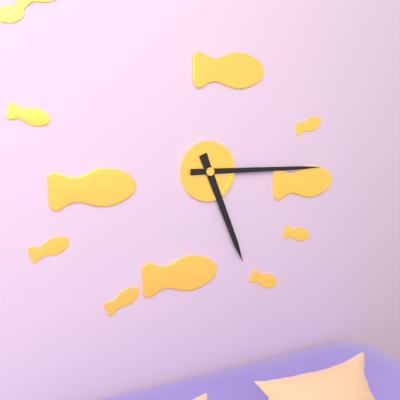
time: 5:15
